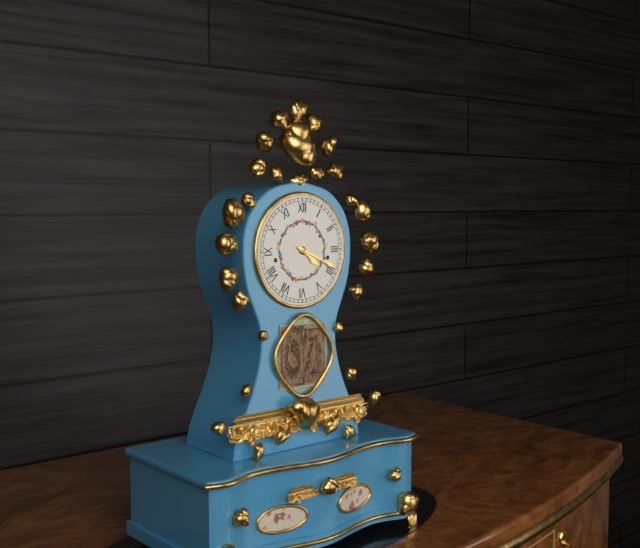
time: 4:19
